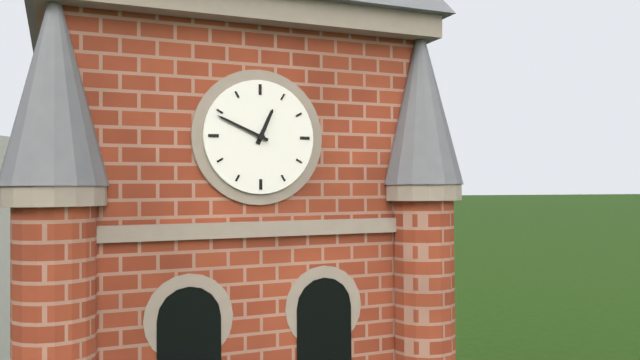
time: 12:49
